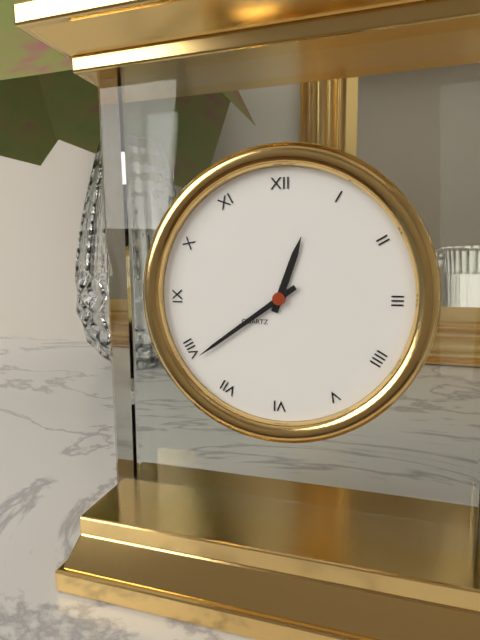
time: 12:39
